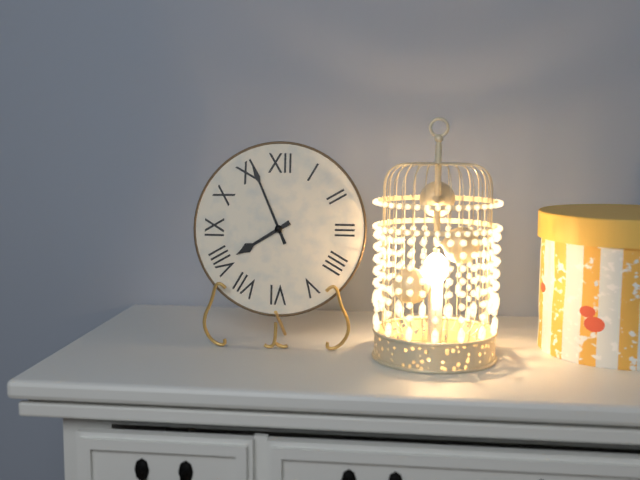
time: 7:56
